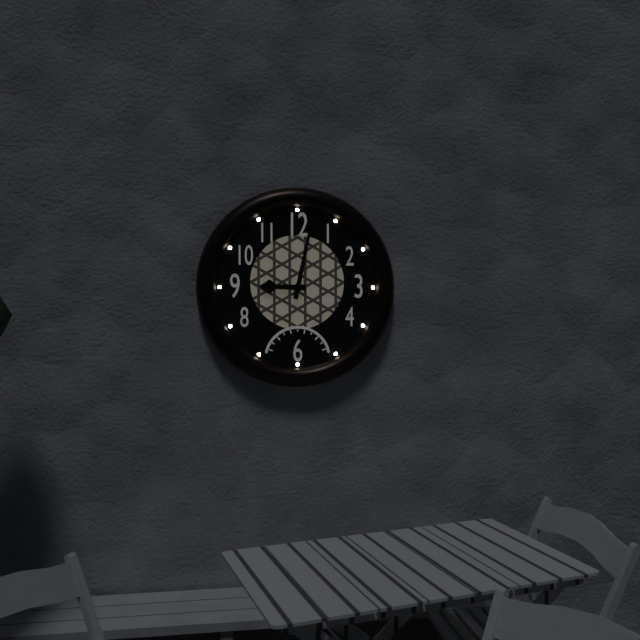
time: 9:02
